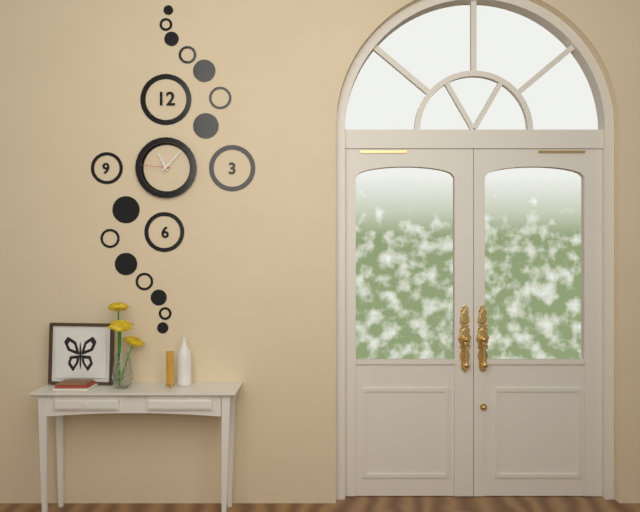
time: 11:07
